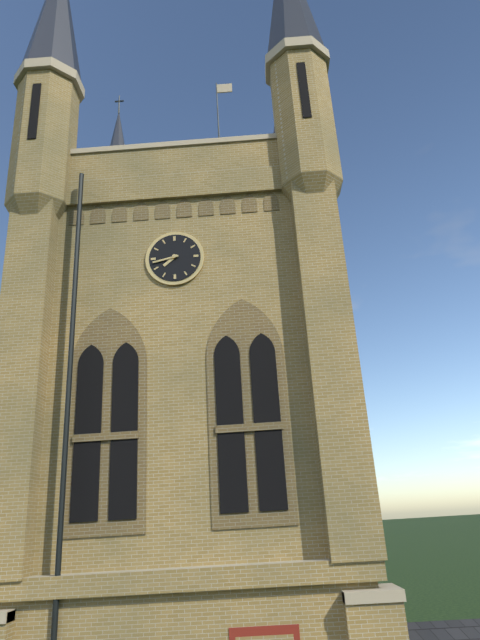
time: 7:43
